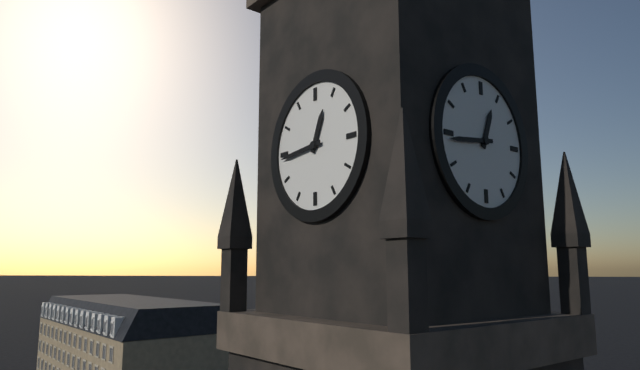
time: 12:44
